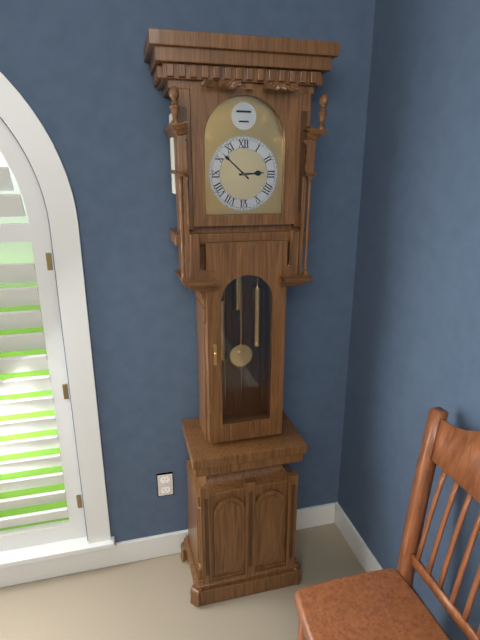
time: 2:52
